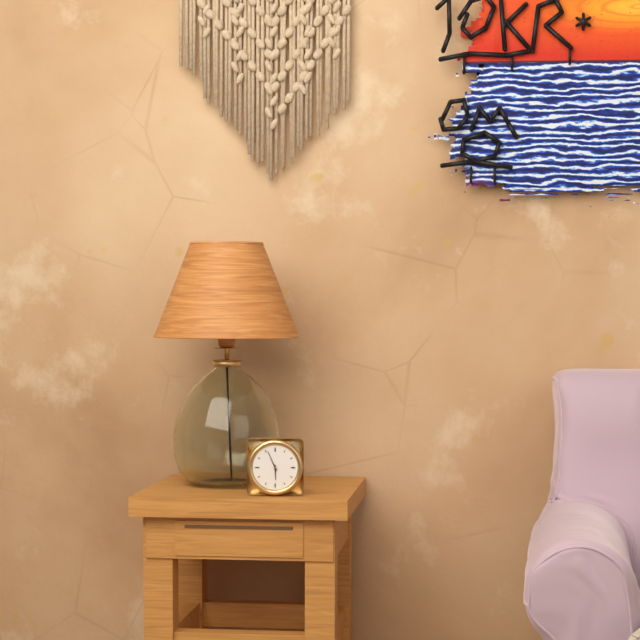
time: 5:56
